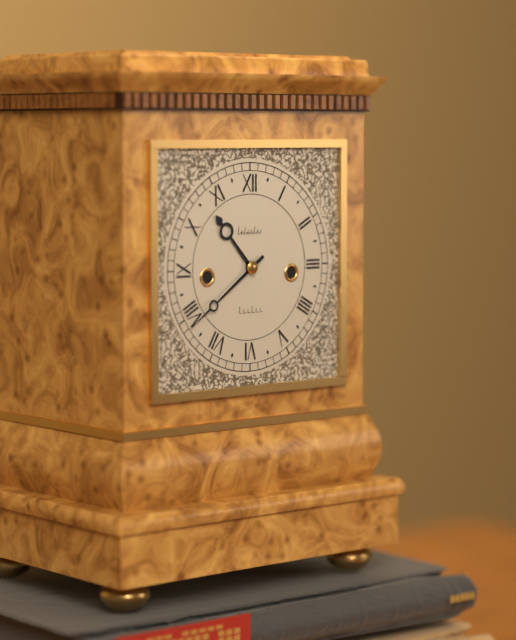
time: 10:39
